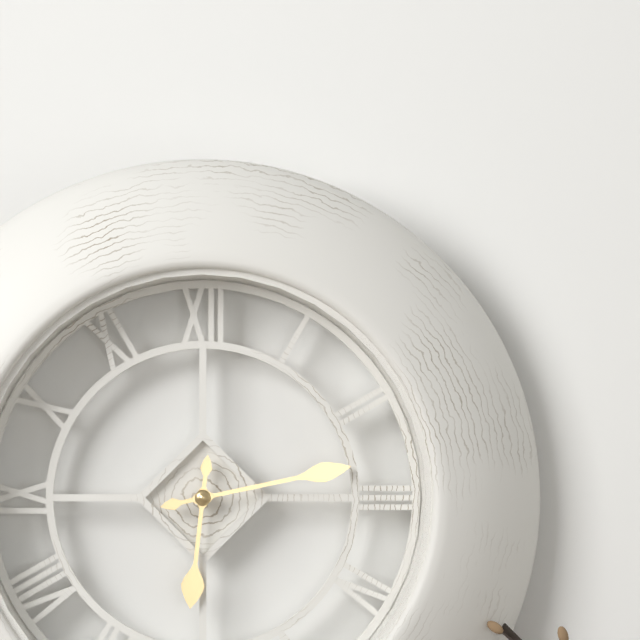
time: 6:13
